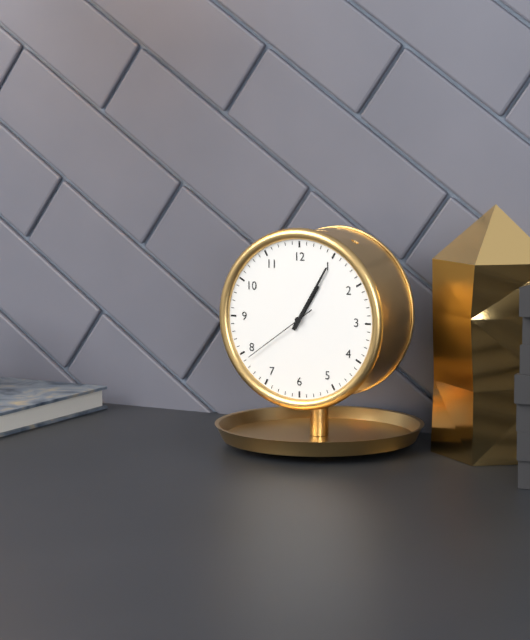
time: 1:05:39
